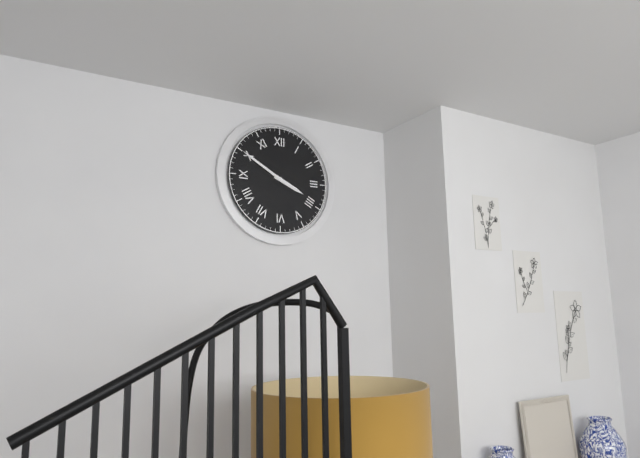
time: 3:50
